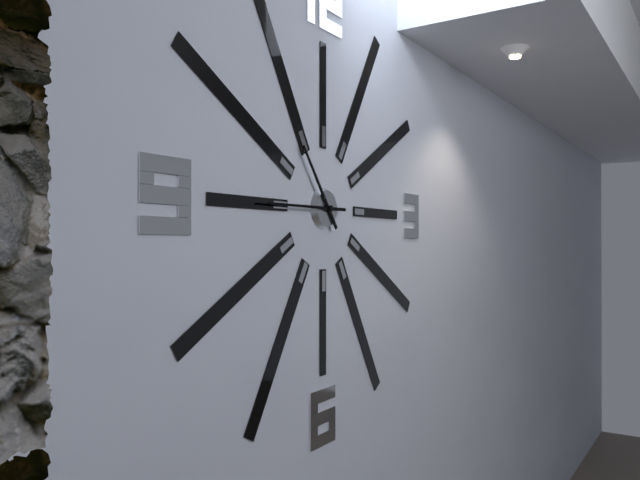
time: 10:45
